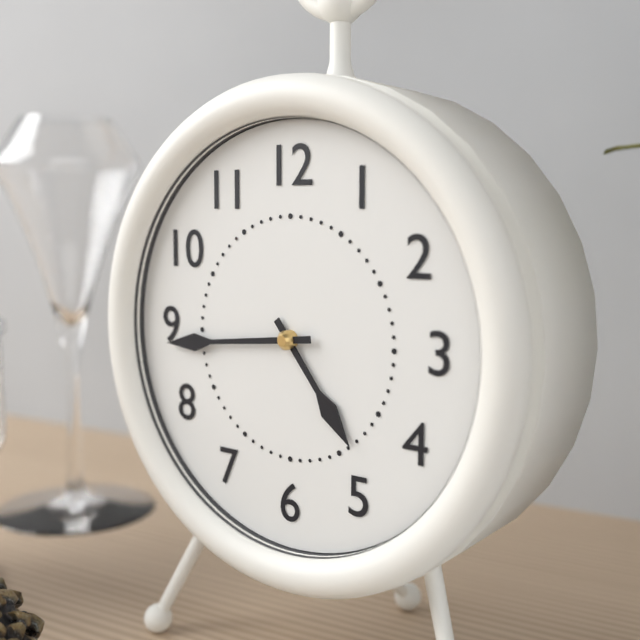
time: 4:44
